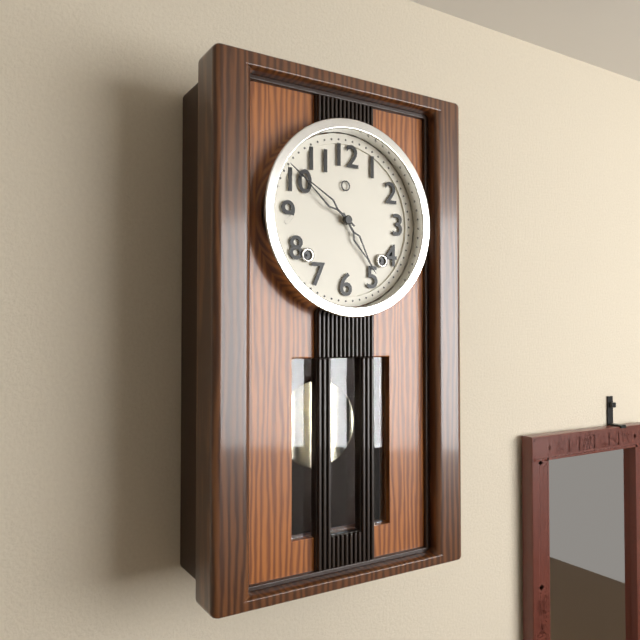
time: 4:51
